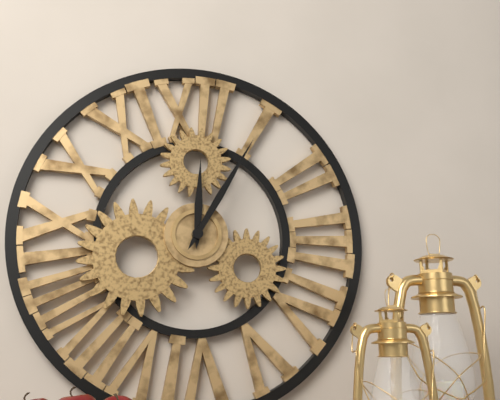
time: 12:05
